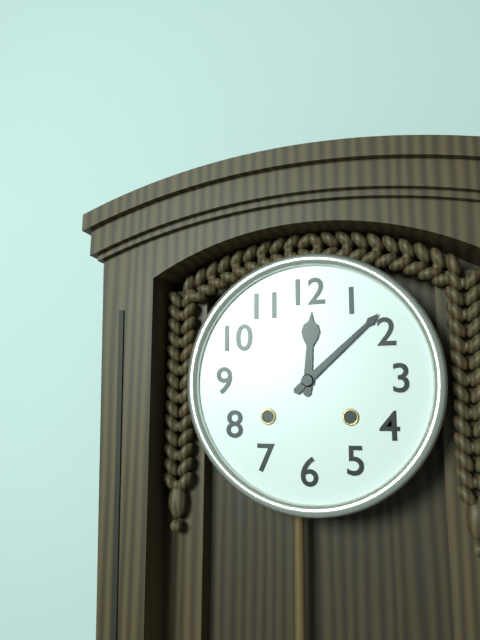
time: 12:08
